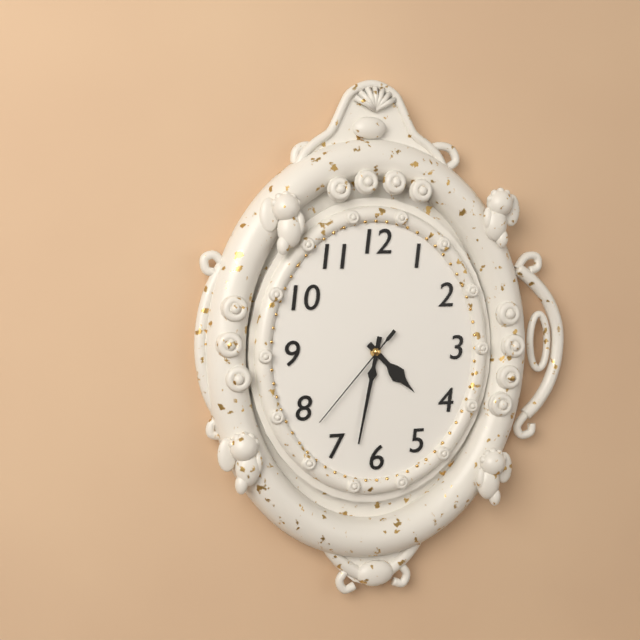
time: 4:32:37
